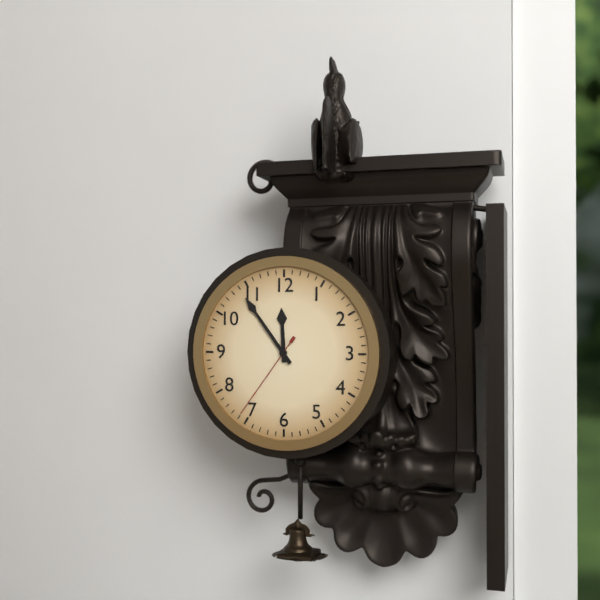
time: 11:54:36
